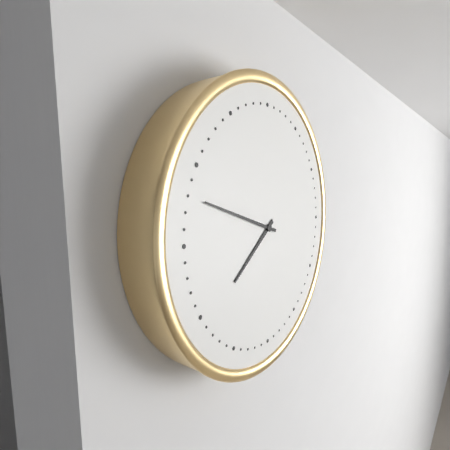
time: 7:48
